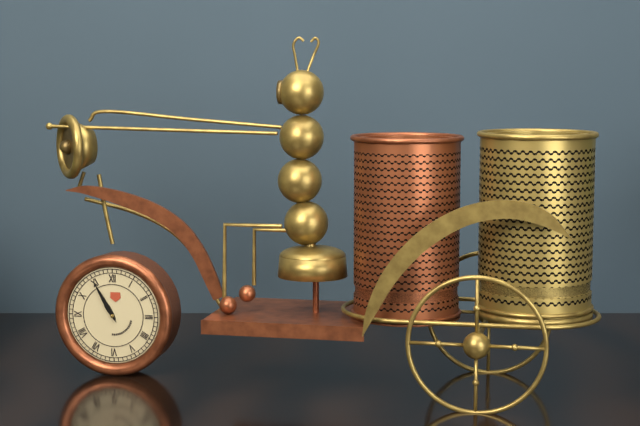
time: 10:55
